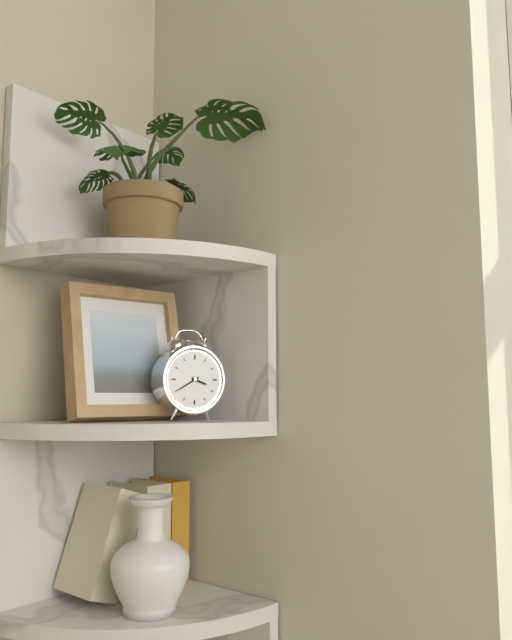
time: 3:40
